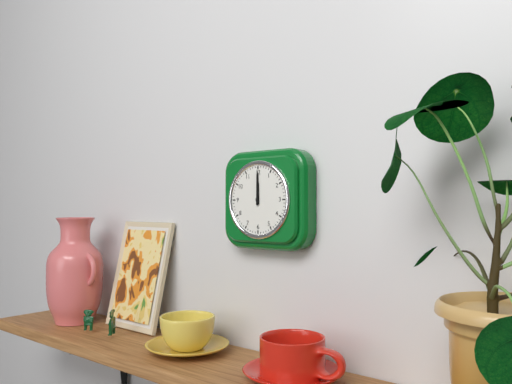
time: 12:00
